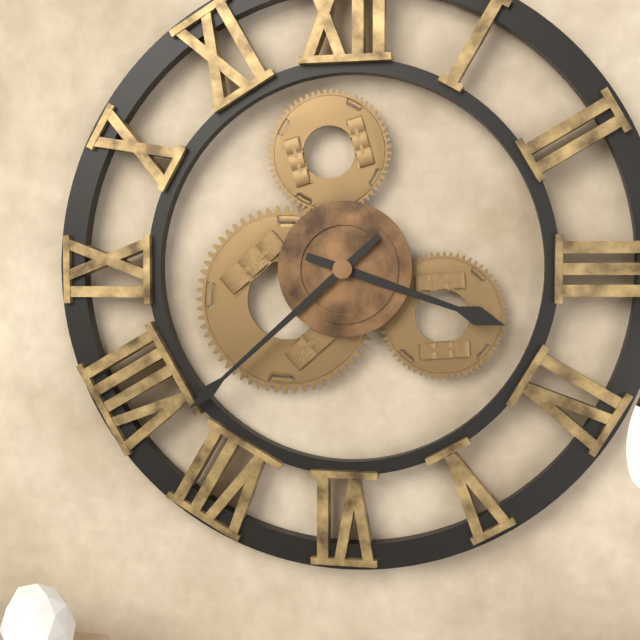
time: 3:38
